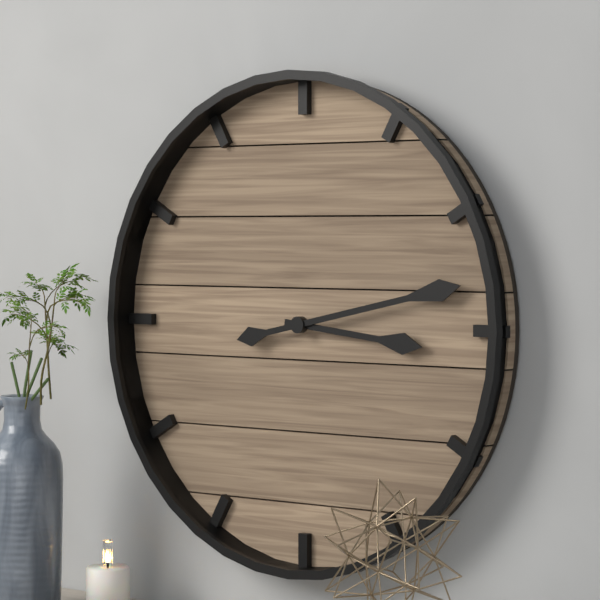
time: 3:13
